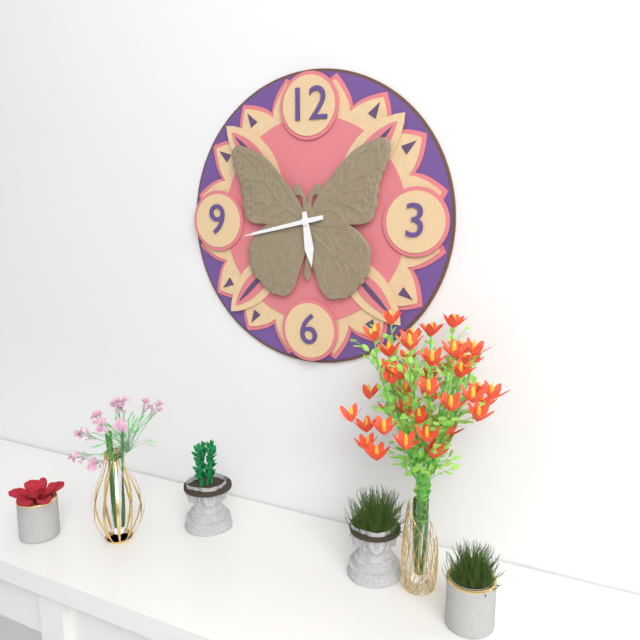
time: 5:43
